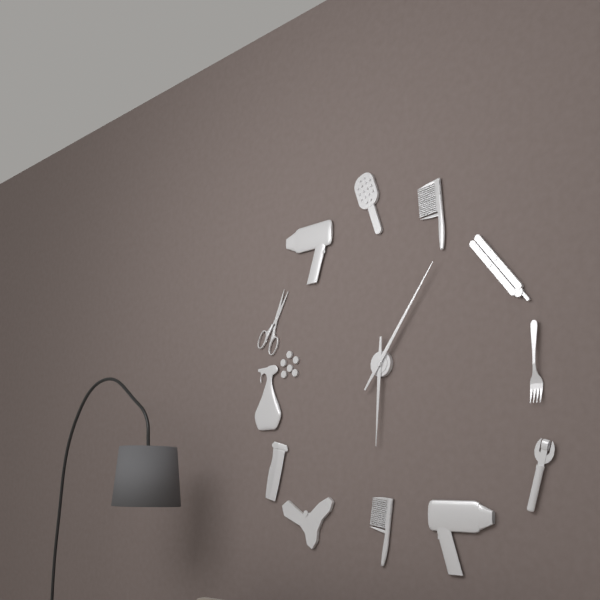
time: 6:06
